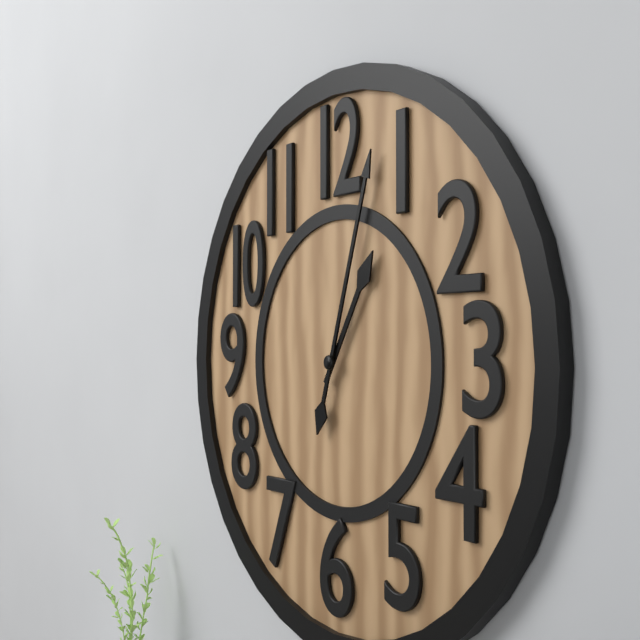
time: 1:03
